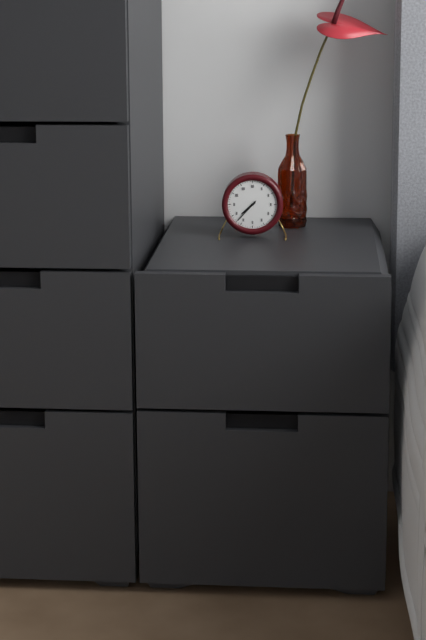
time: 7:37
